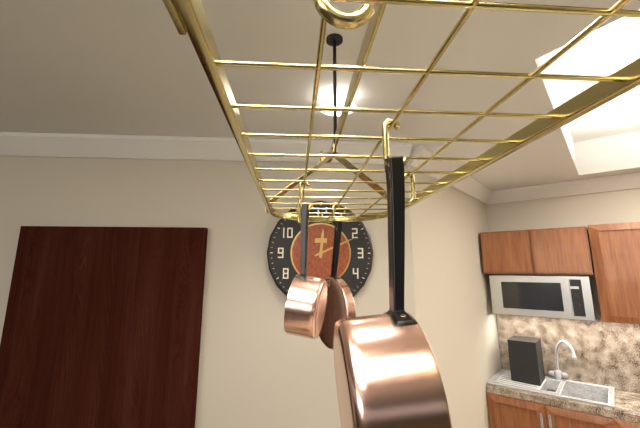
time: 12:11
